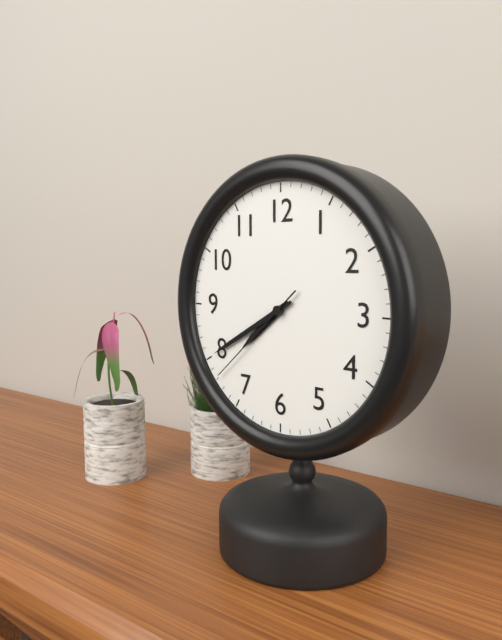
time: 7:40:38
